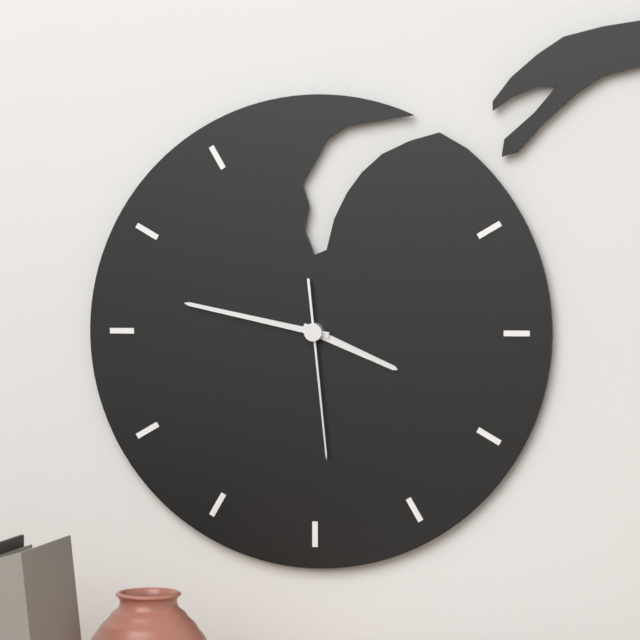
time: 3:47:29
